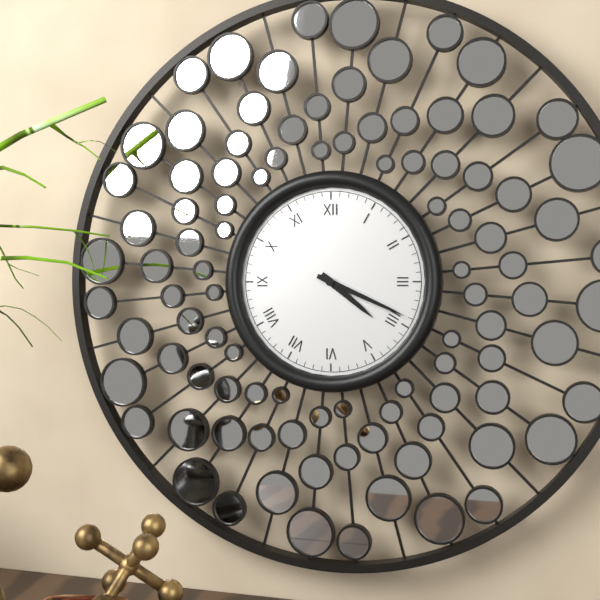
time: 4:19
